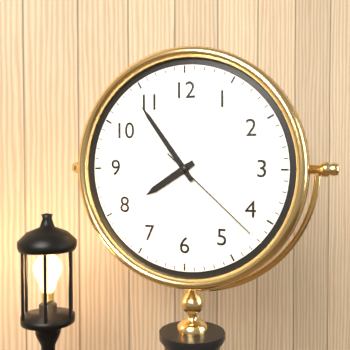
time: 7:54:22
